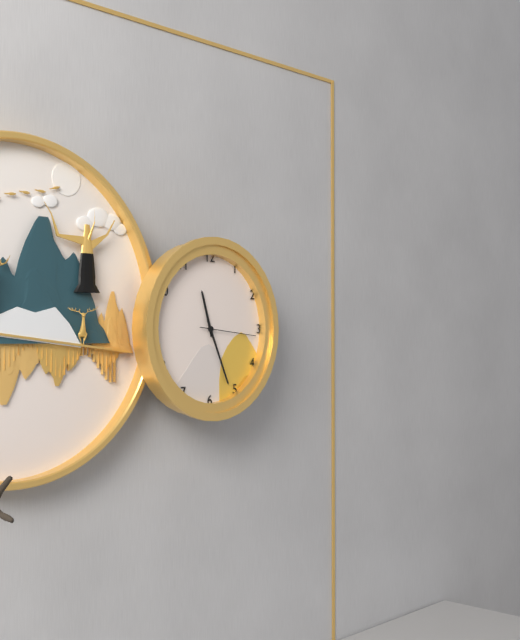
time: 11:26:16
